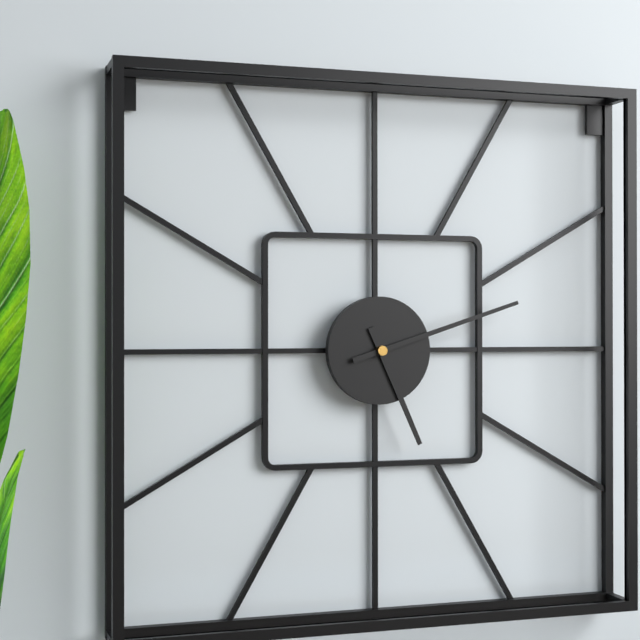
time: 5:12
